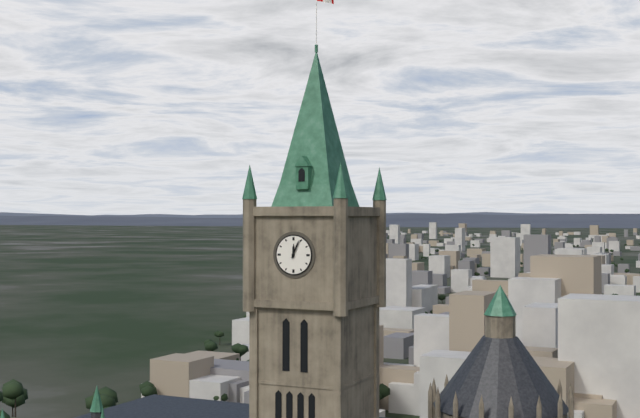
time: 12:04
